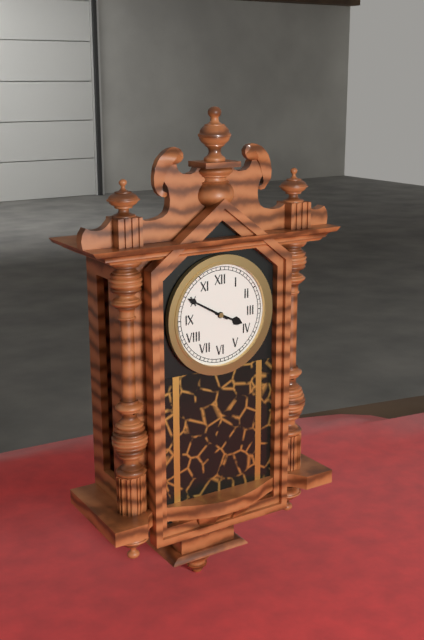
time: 3:50
